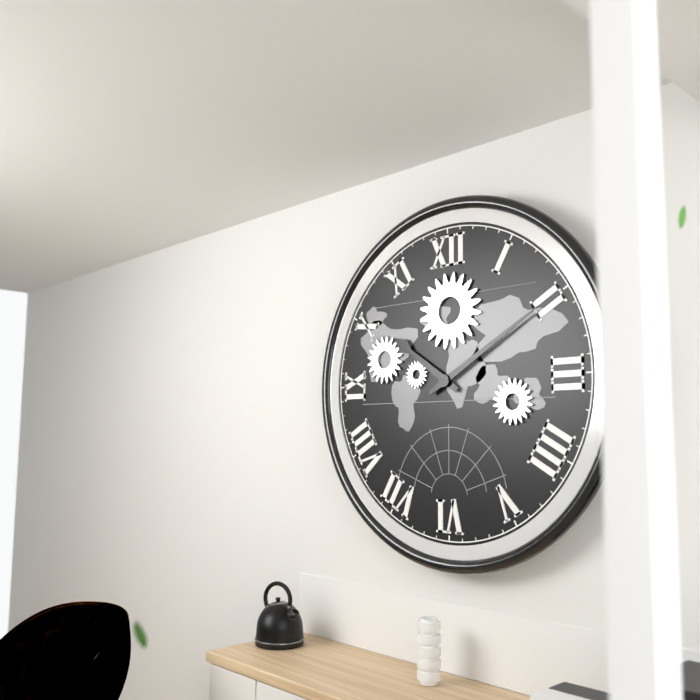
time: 10:10
